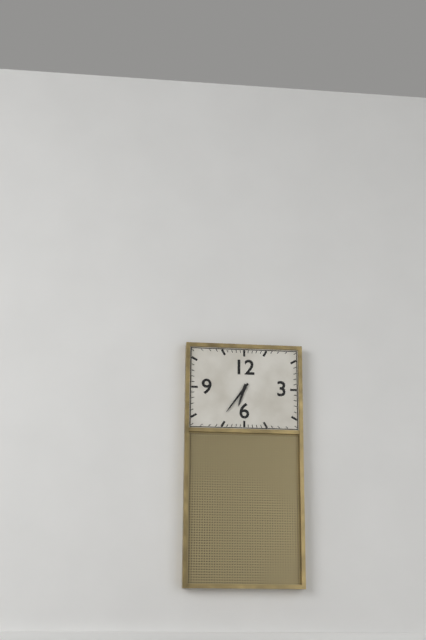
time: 6:36
